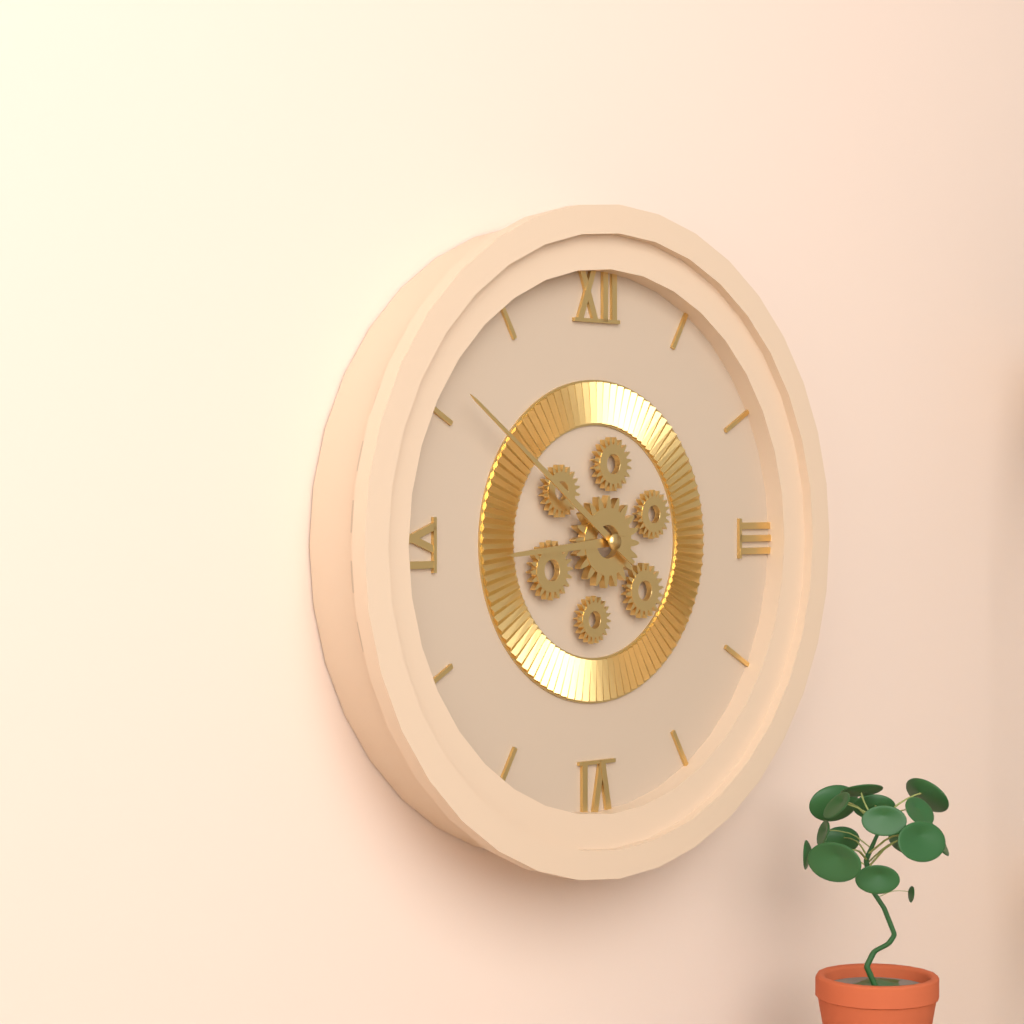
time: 8:51
